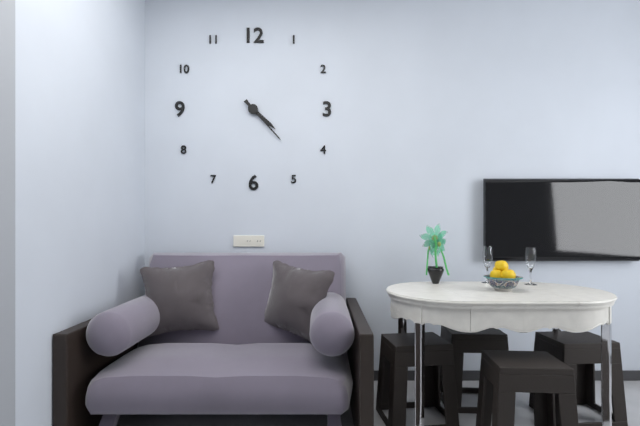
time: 4:23
